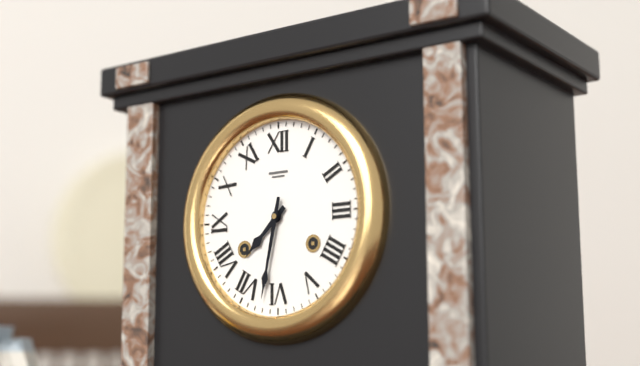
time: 7:32
